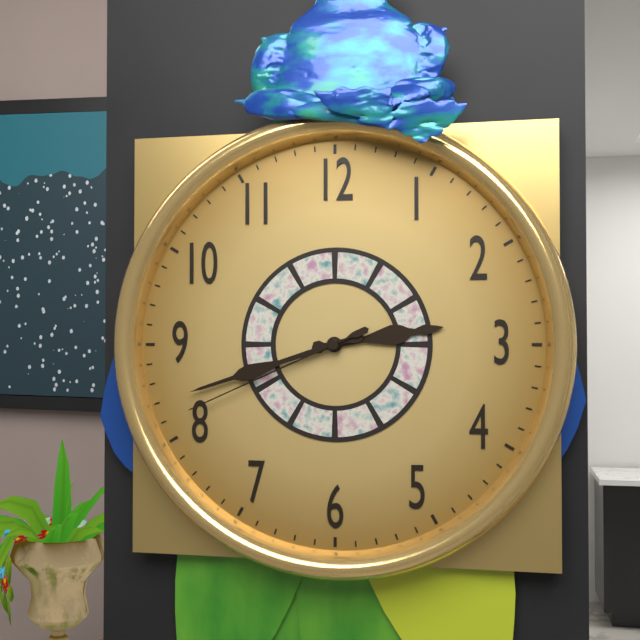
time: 2:42:41
